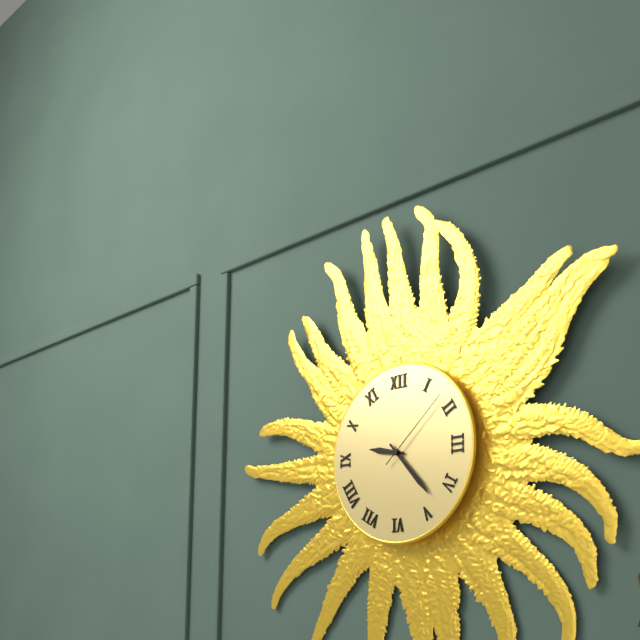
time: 9:23:08
